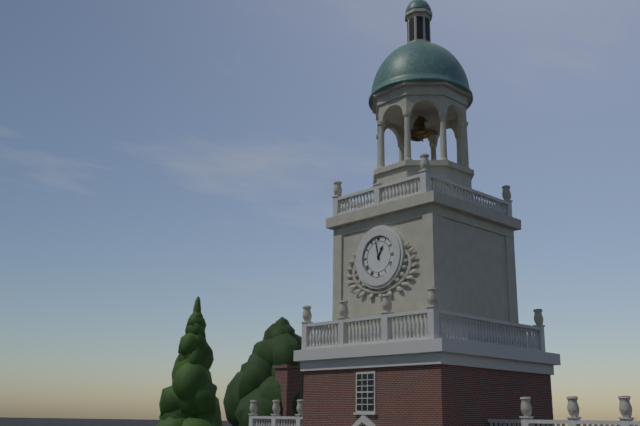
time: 12:58
